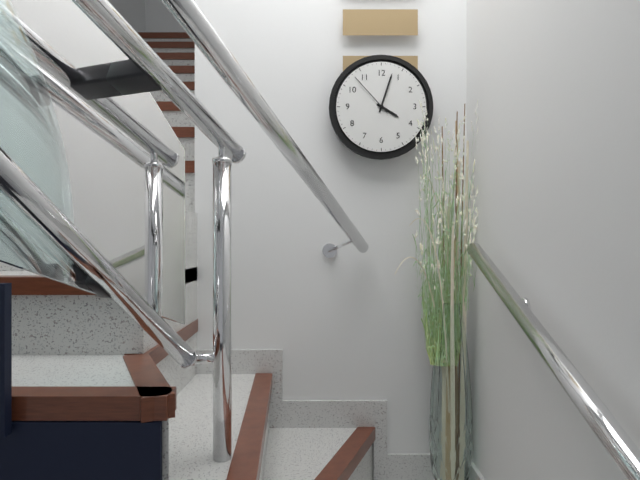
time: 4:03
